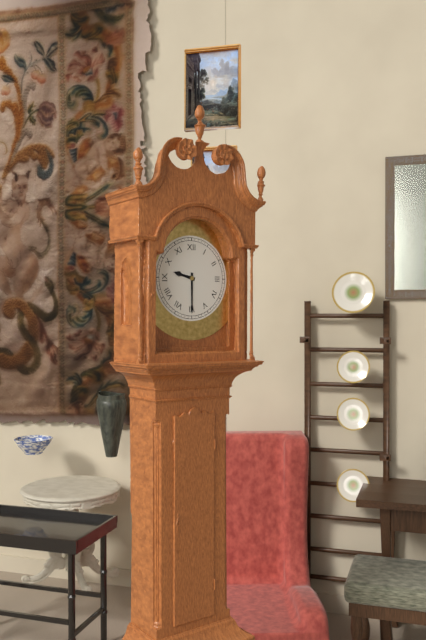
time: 9:30
